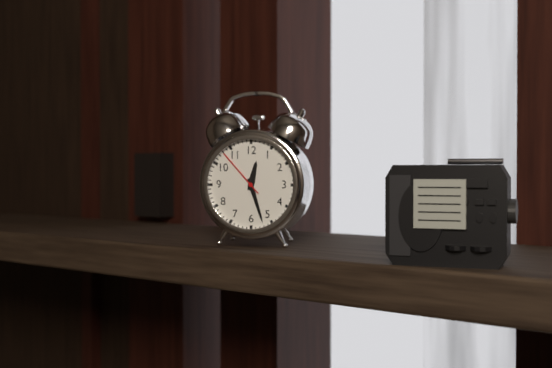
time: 12:27:53
